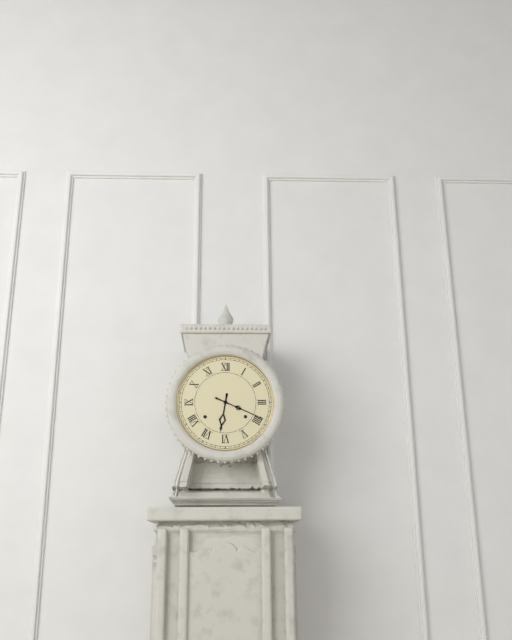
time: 6:19
